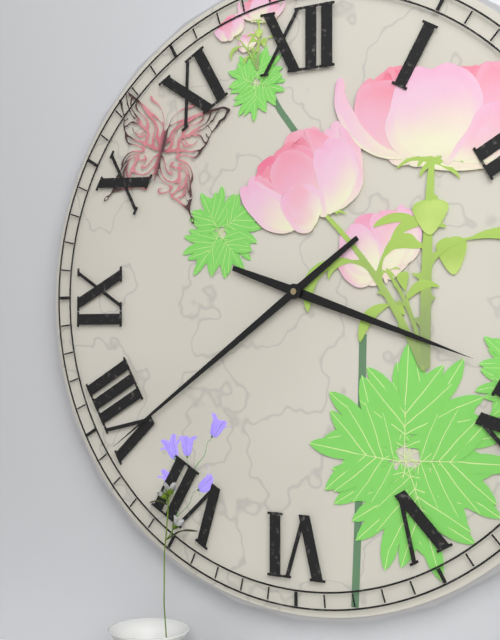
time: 3:39
